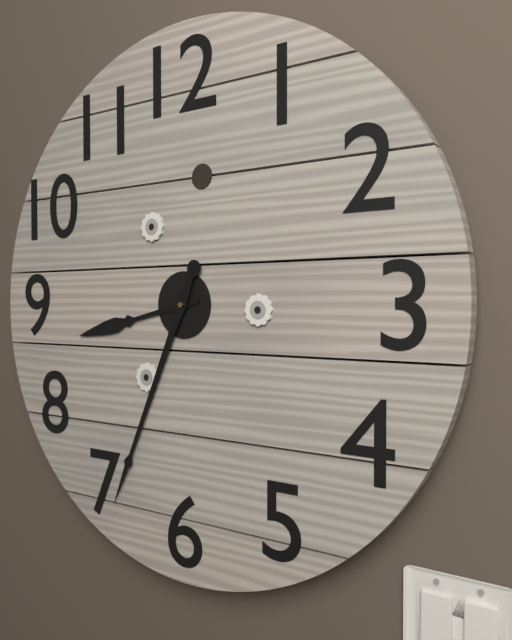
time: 8:34
